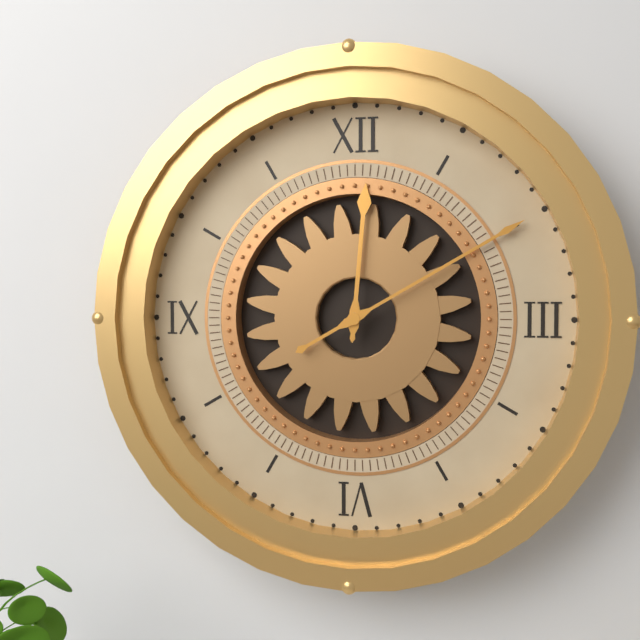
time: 12:10
